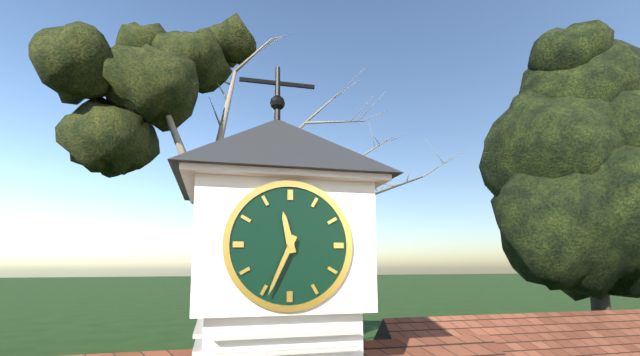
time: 11:34
